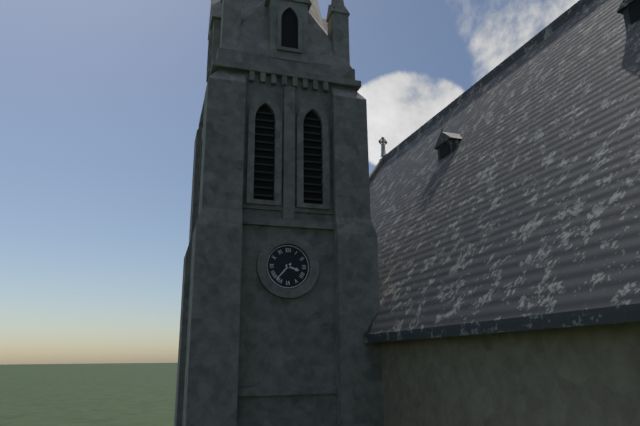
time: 3:37
